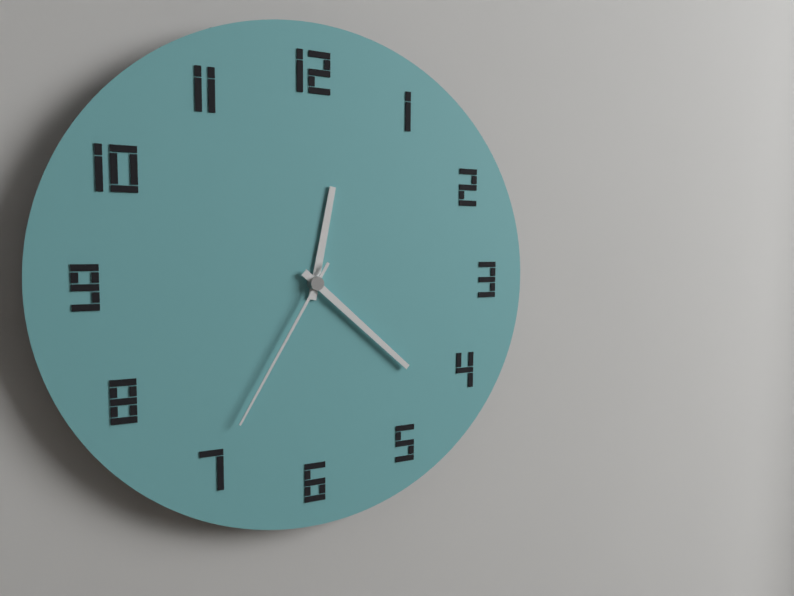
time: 12:22:35
